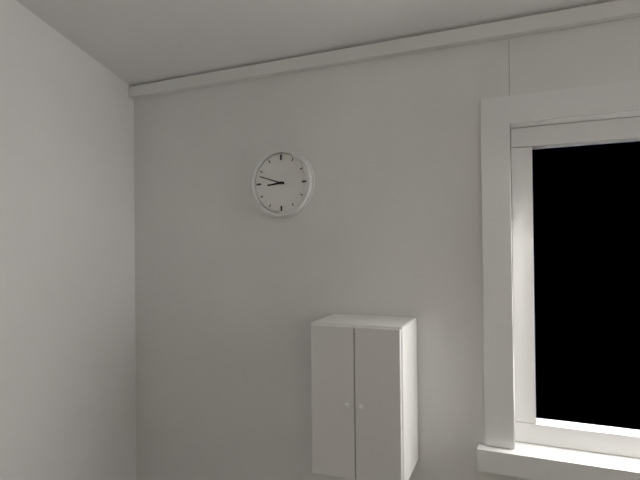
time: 8:48
